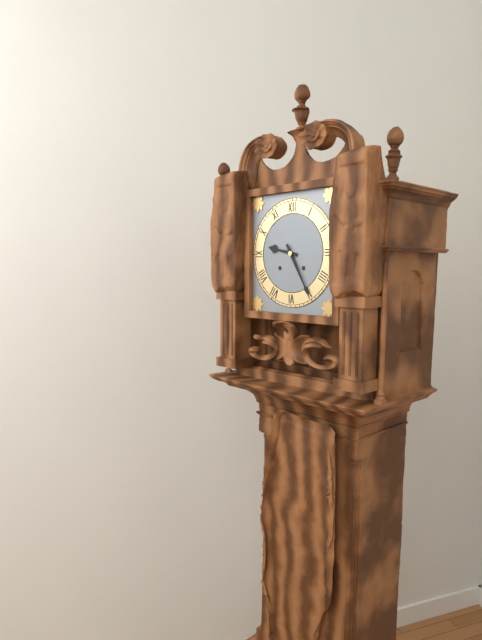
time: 9:25
